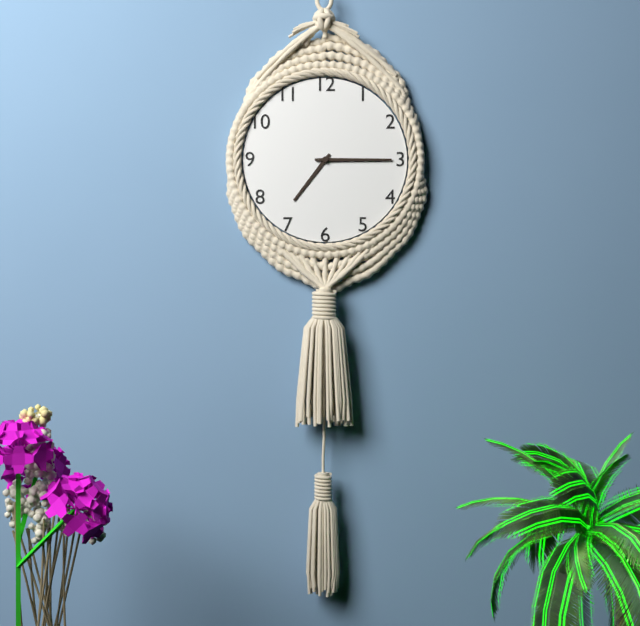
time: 7:15
